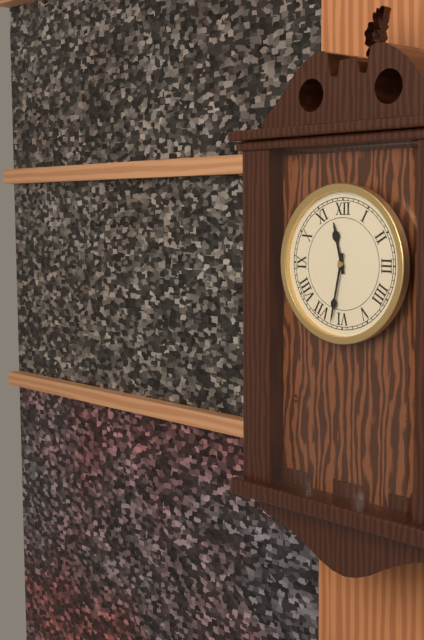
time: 11:32
